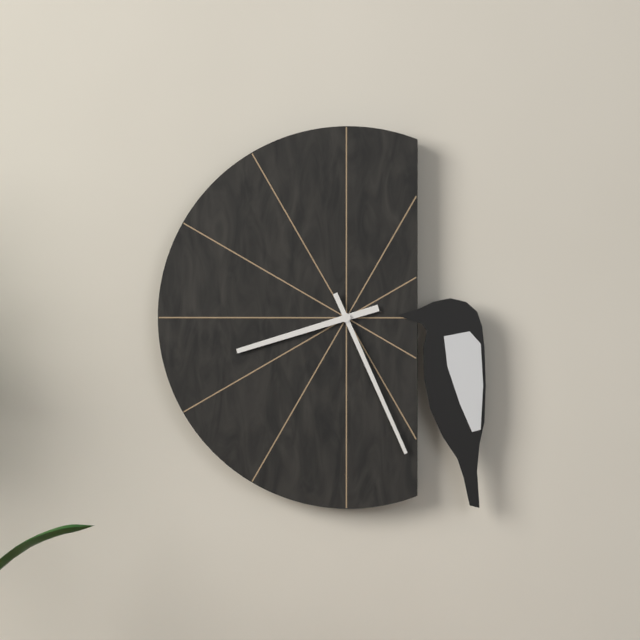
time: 8:26
